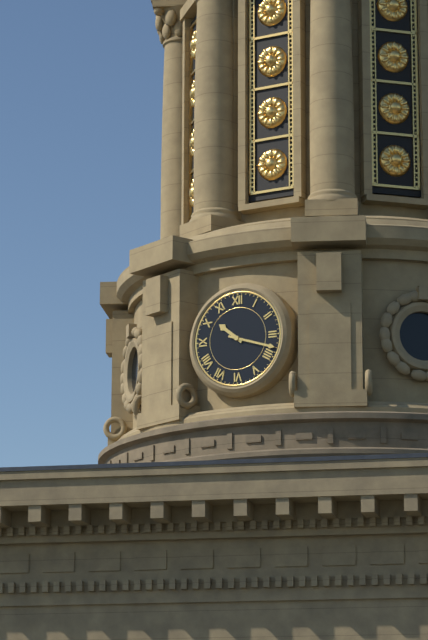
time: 10:18
